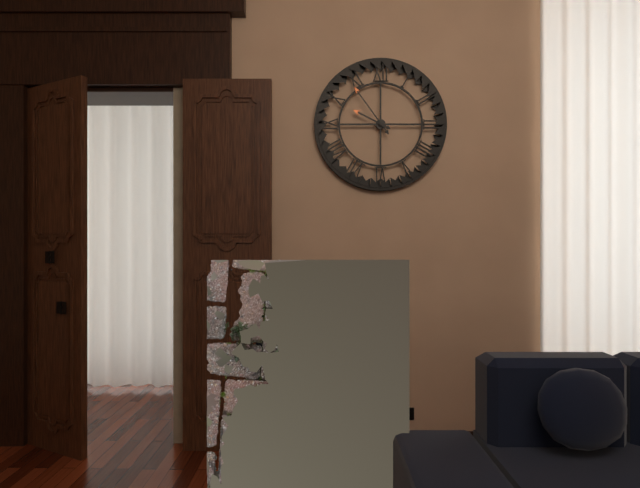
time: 9:54
